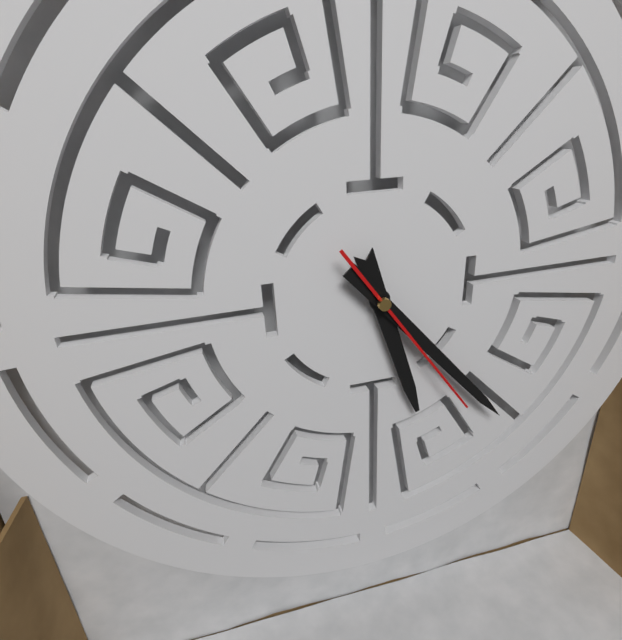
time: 5:23:24
